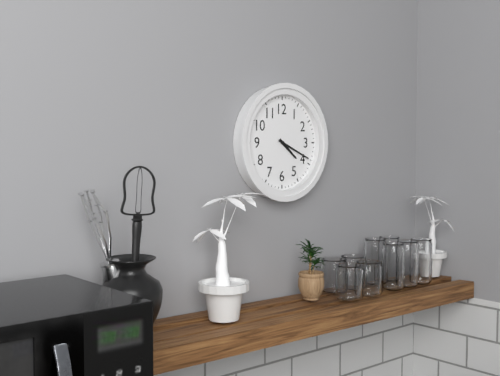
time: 4:19
